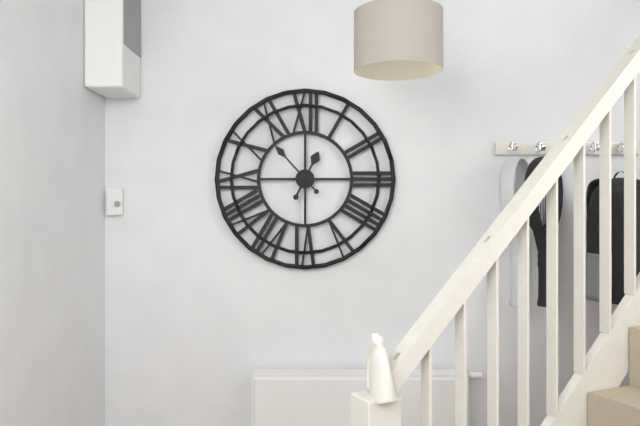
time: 12:53
